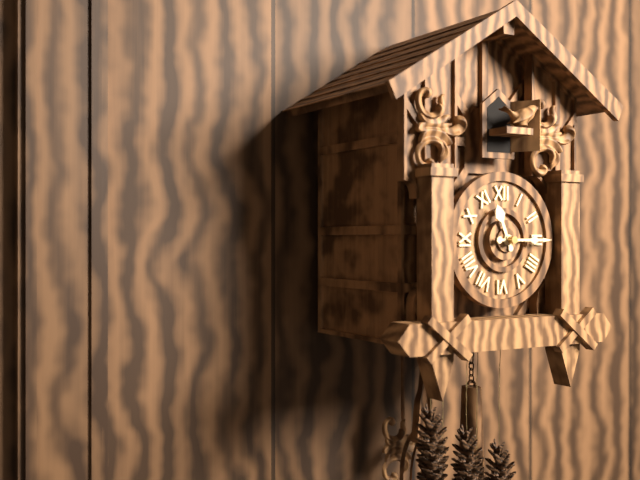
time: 11:15
